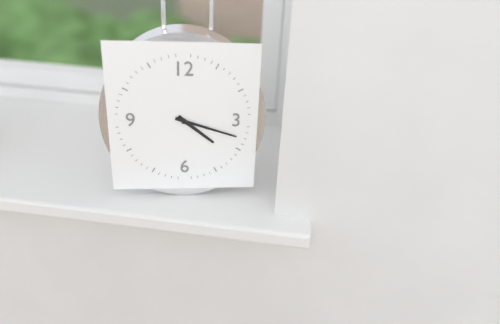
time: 4:18
